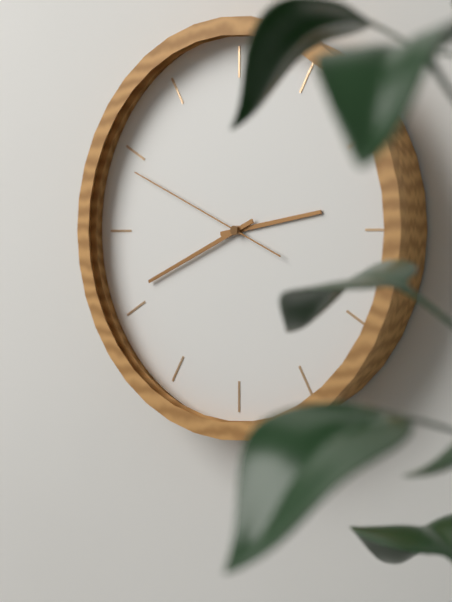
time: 2:41:49
